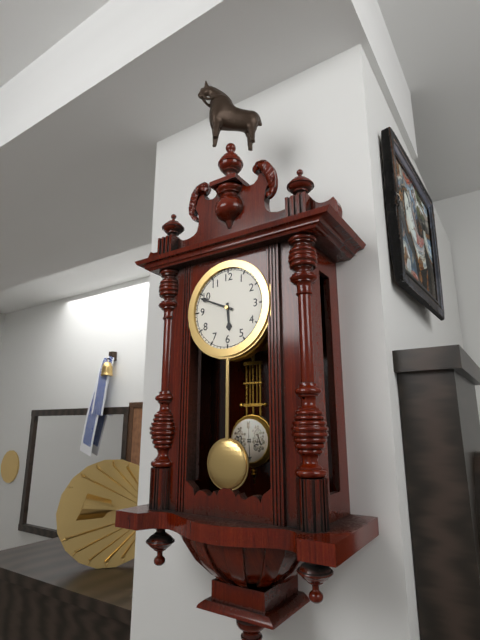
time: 5:49
